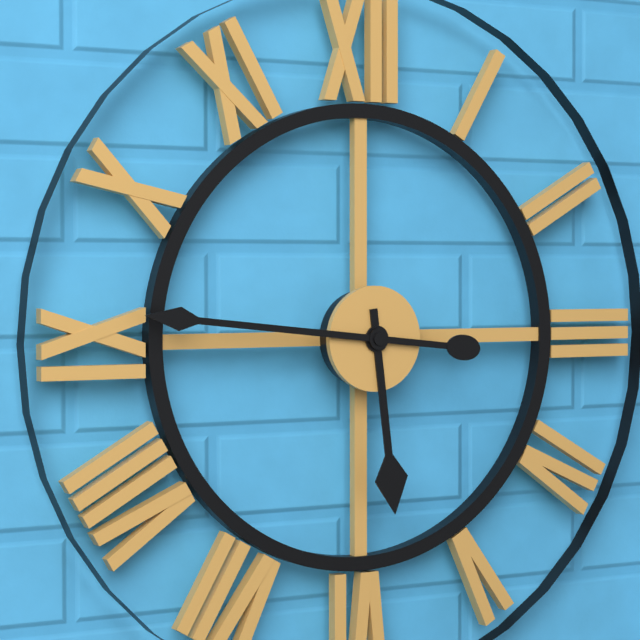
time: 5:46
